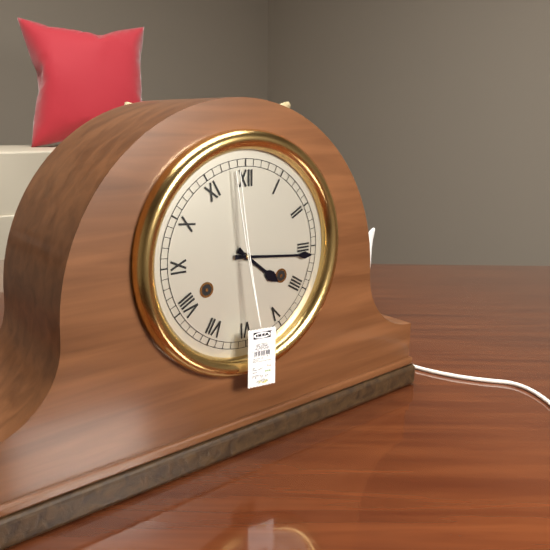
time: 4:16
